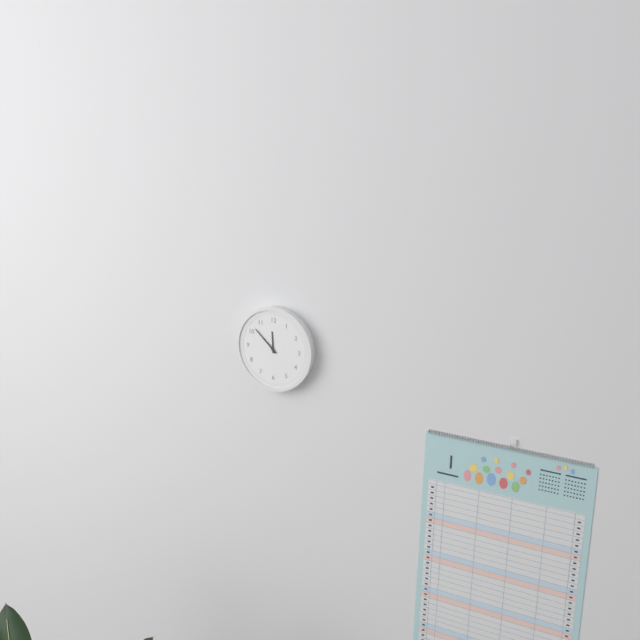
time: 11:52
